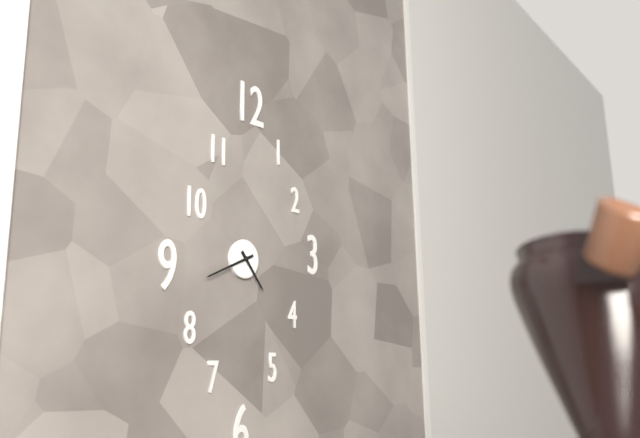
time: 4:41
